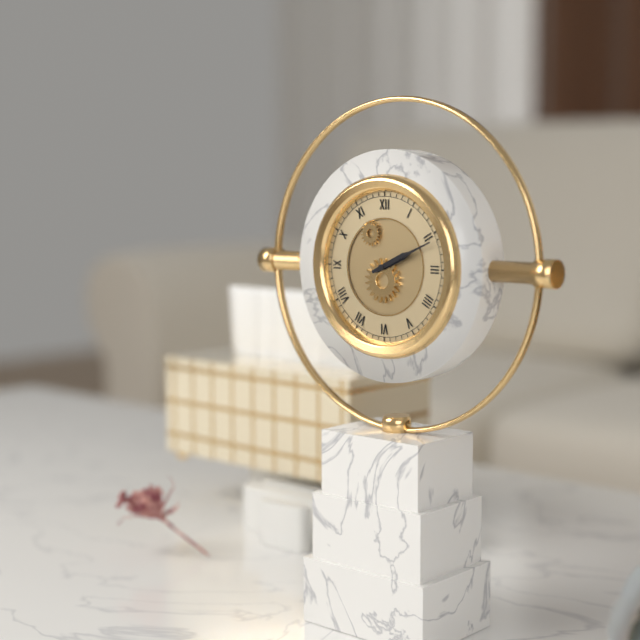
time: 2:11
